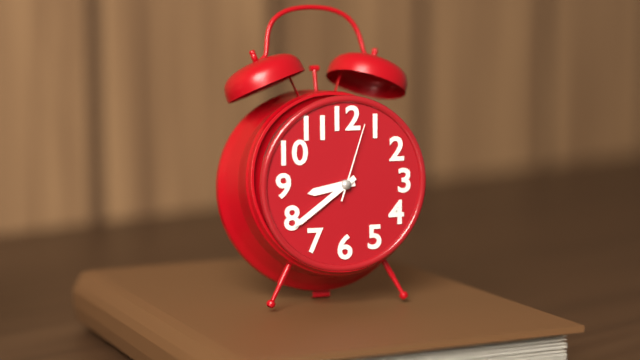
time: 8:39:03
